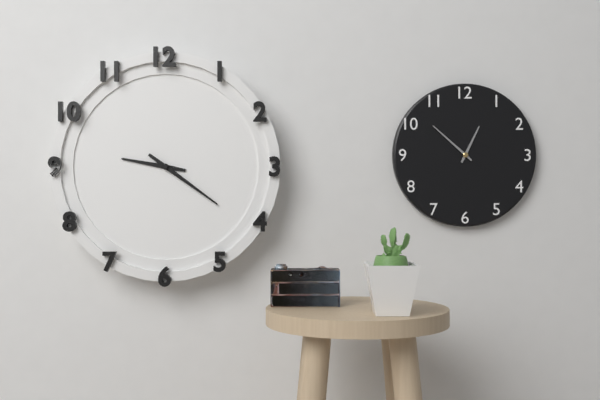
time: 9:21
